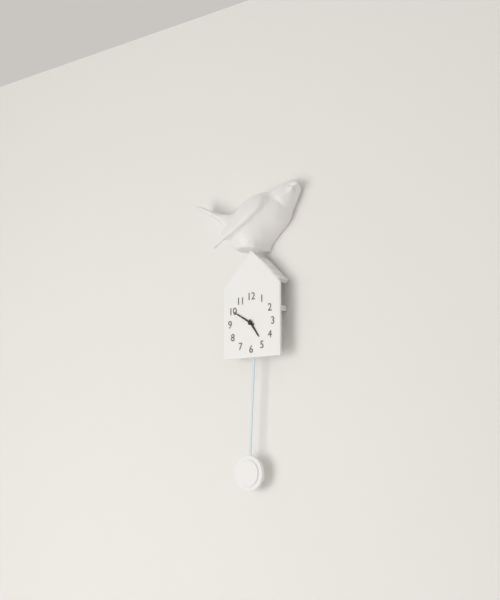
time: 4:50
